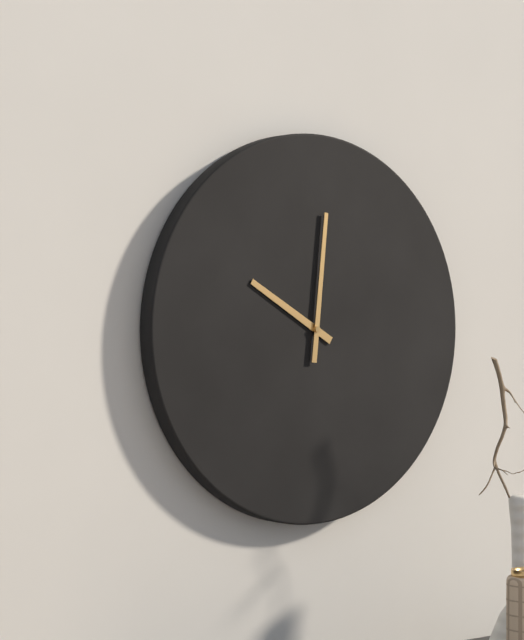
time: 10:01
